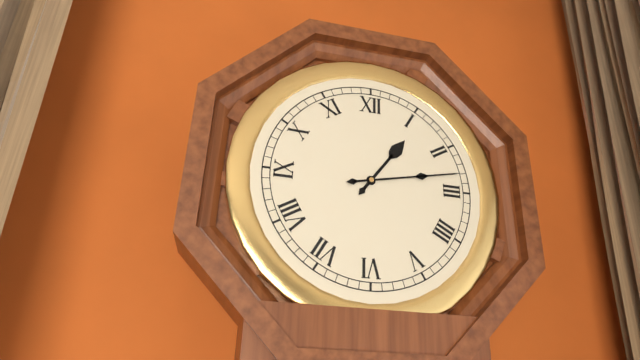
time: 1:13
